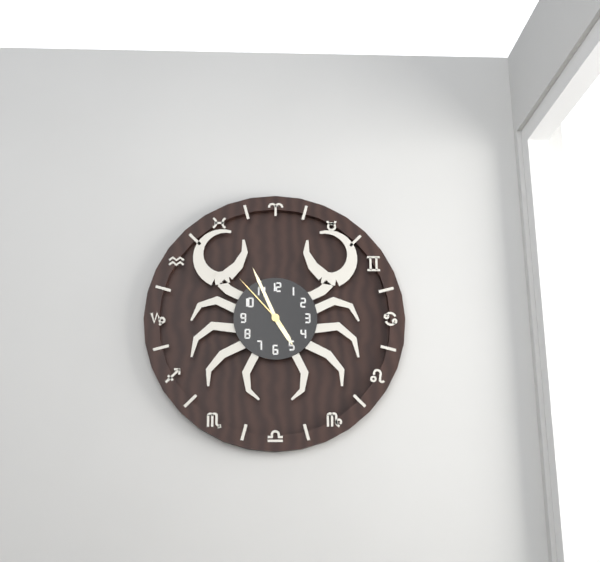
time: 4:56:53
